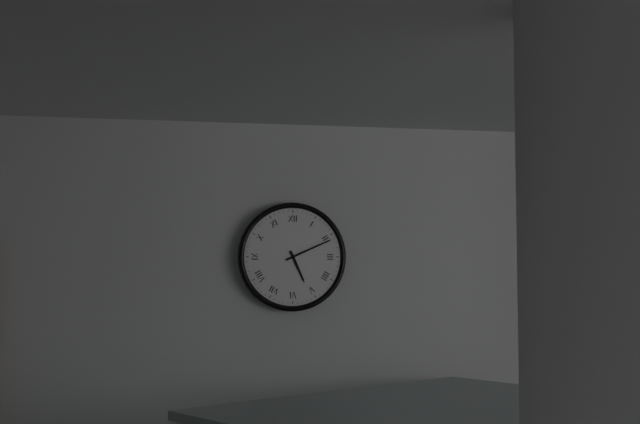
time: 5:11
